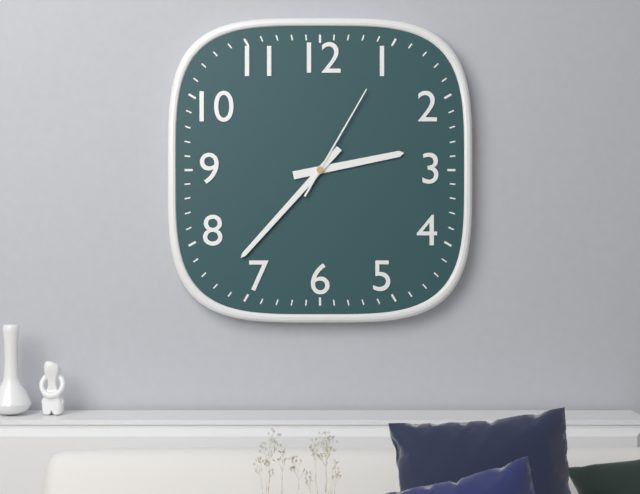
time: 2:37:05
